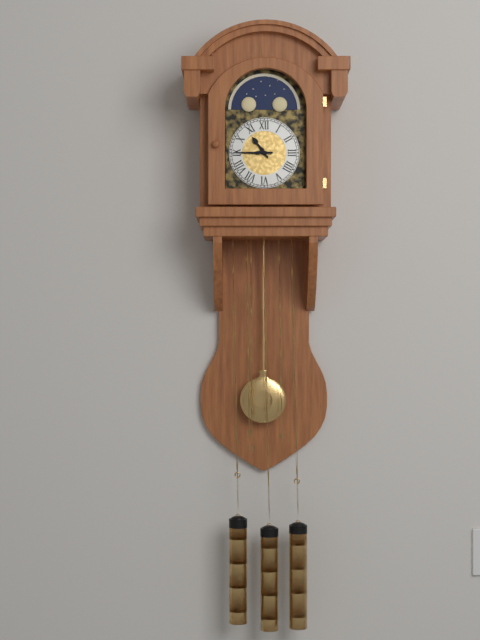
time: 10:45
